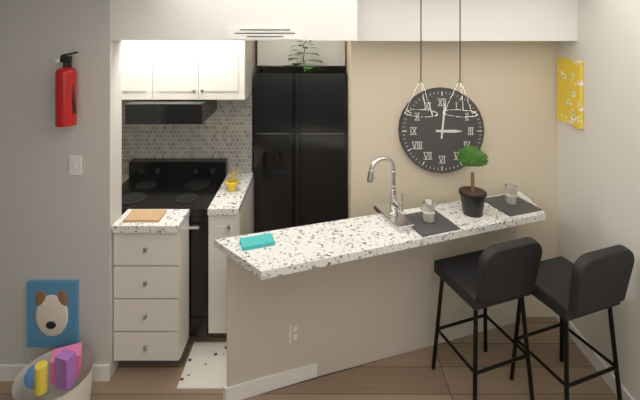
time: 3:01
